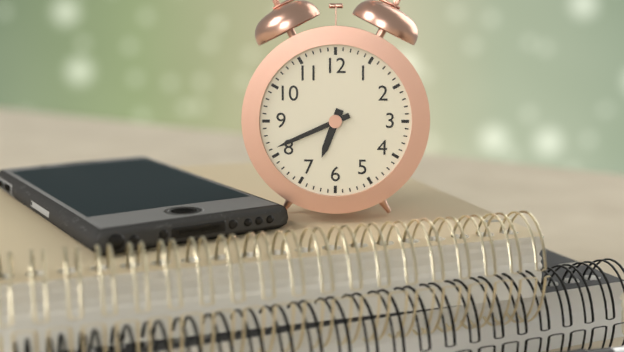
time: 6:41
